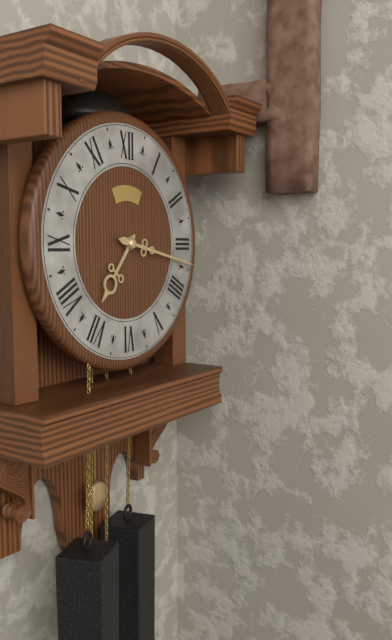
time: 7:17
